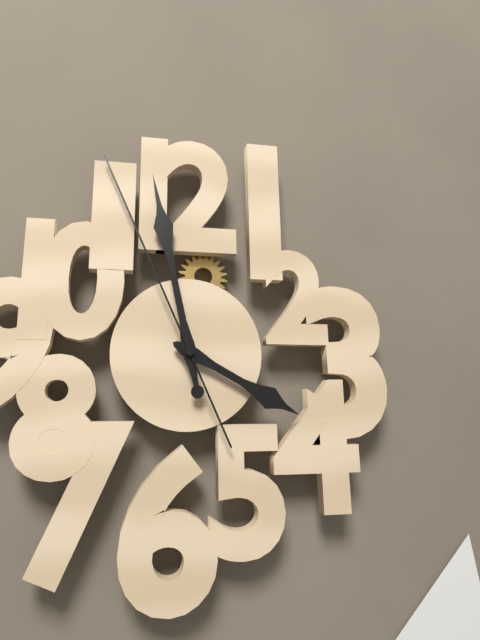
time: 3:58:56
